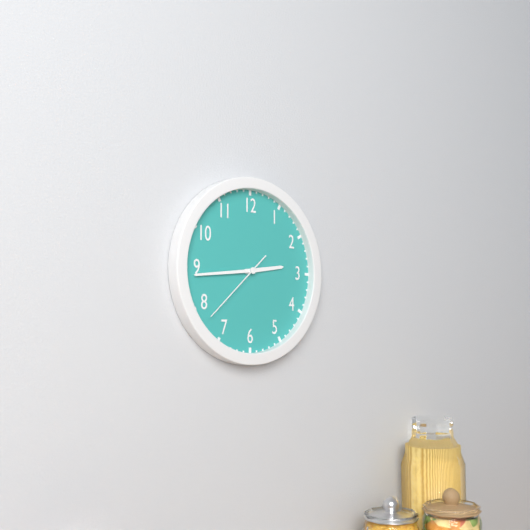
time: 2:44:38
